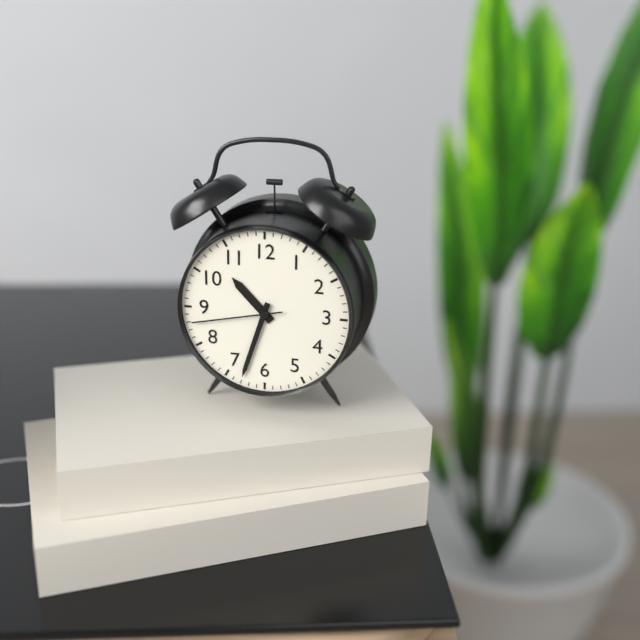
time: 10:33:43
